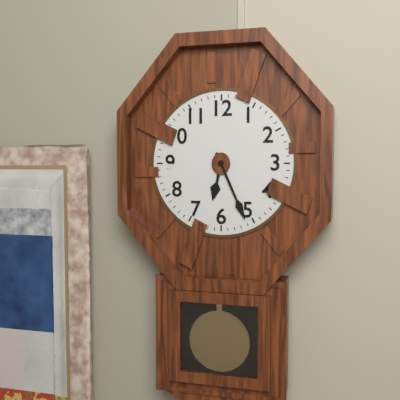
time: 6:26
